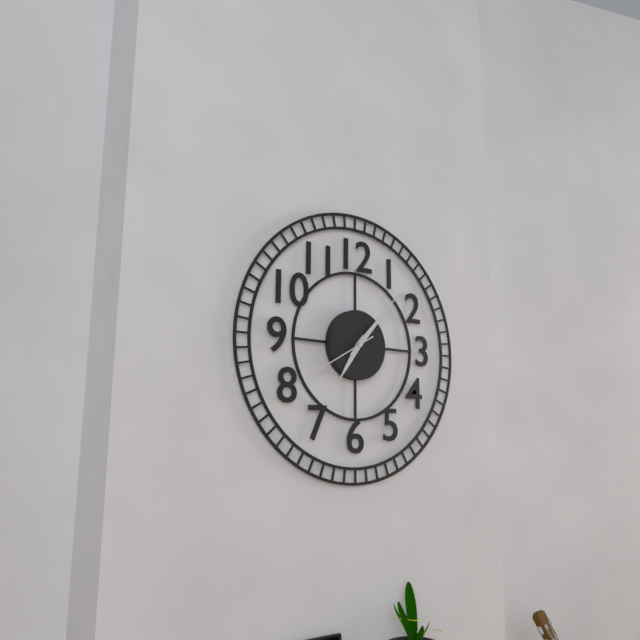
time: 7:07:40
